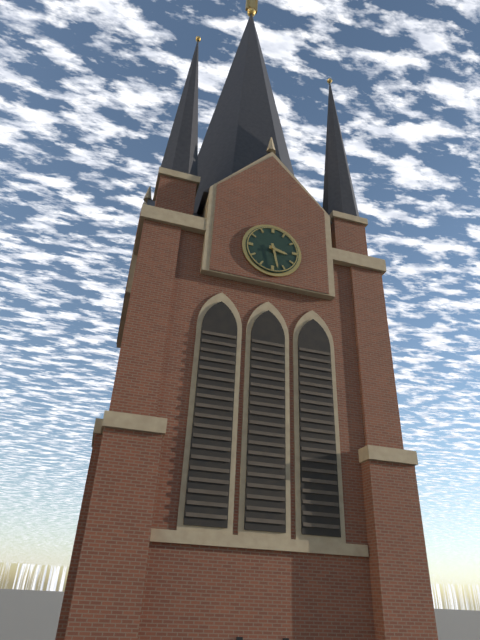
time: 3:28
